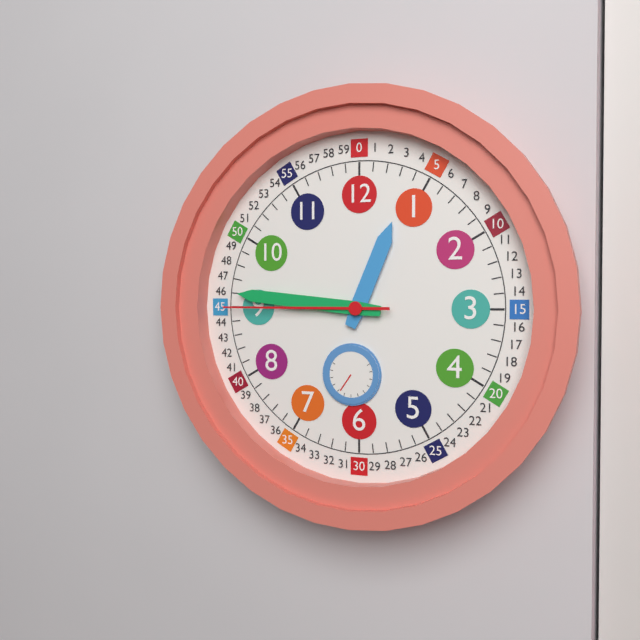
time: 12:46:45
